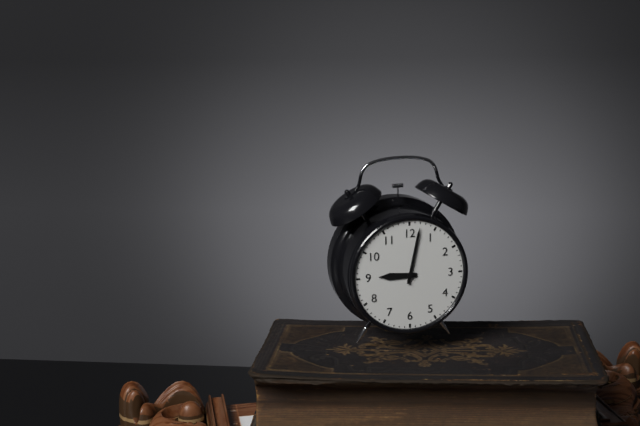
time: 9:02
